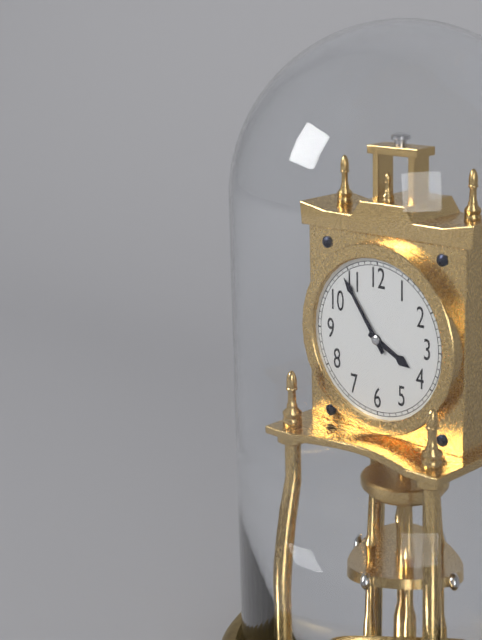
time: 3:54
